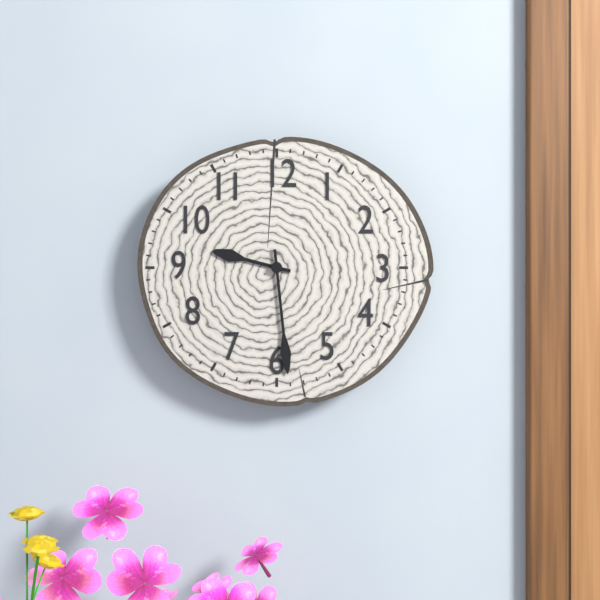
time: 9:29
